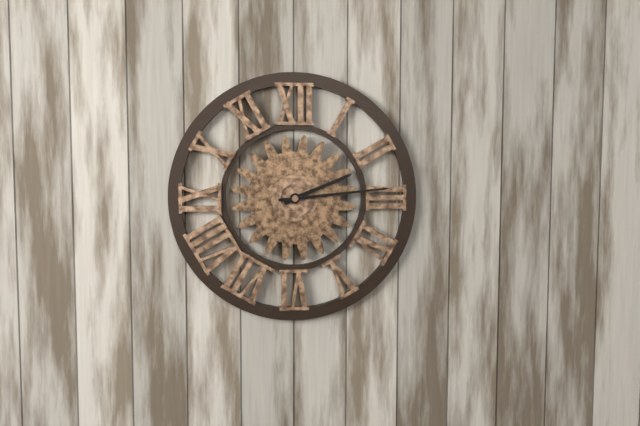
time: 2:14
